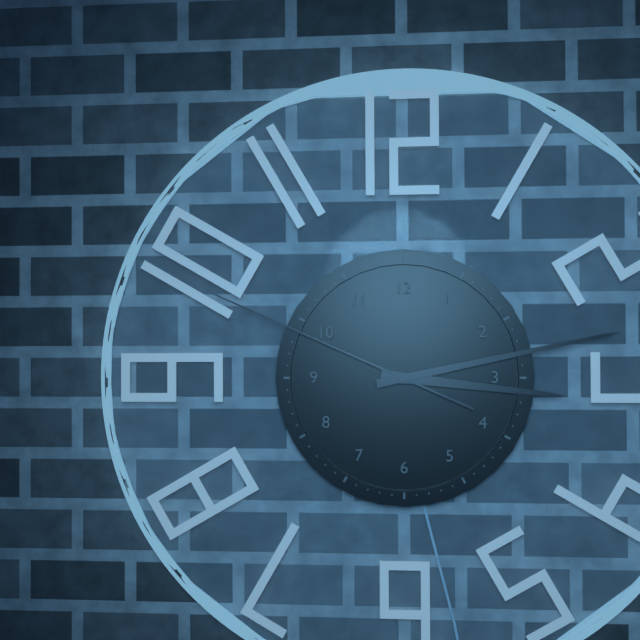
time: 3:13:49
